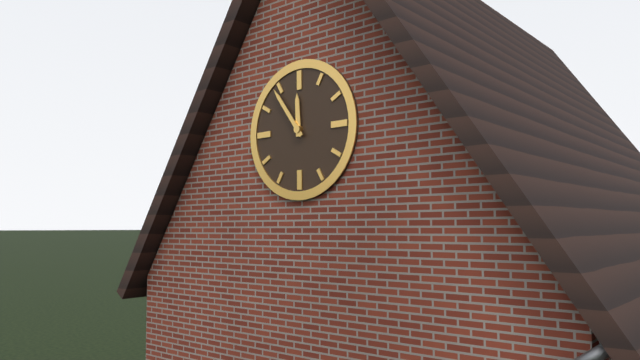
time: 11:54
